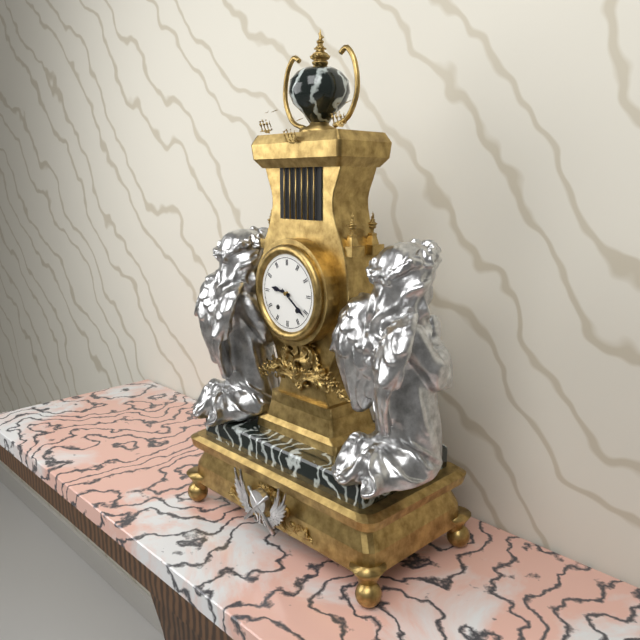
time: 9:21
